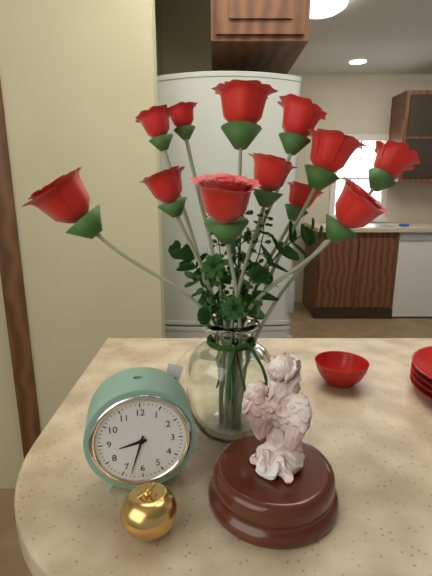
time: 8:33
